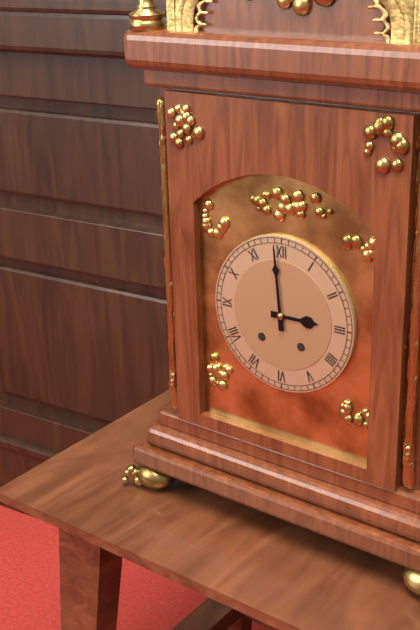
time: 2:59
